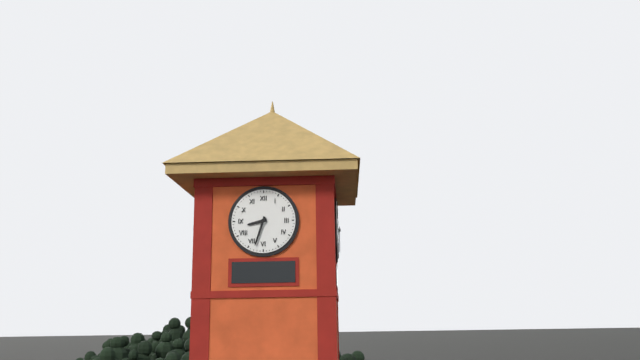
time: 8:33
